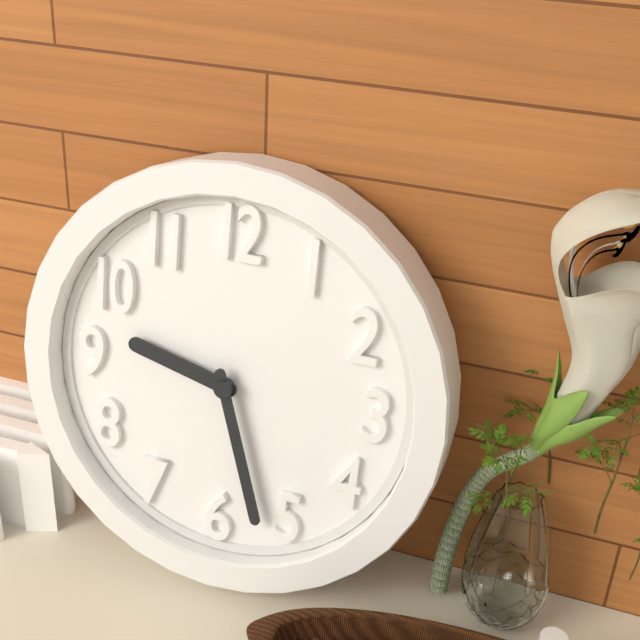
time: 9:27
